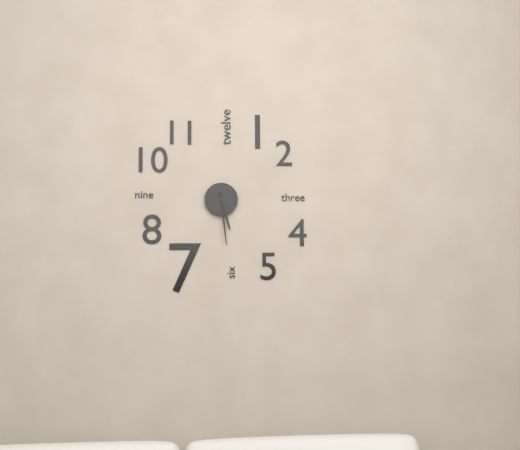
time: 5:29
